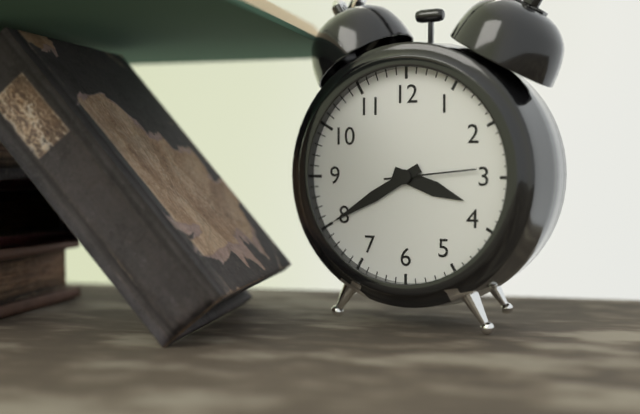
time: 3:40:14
